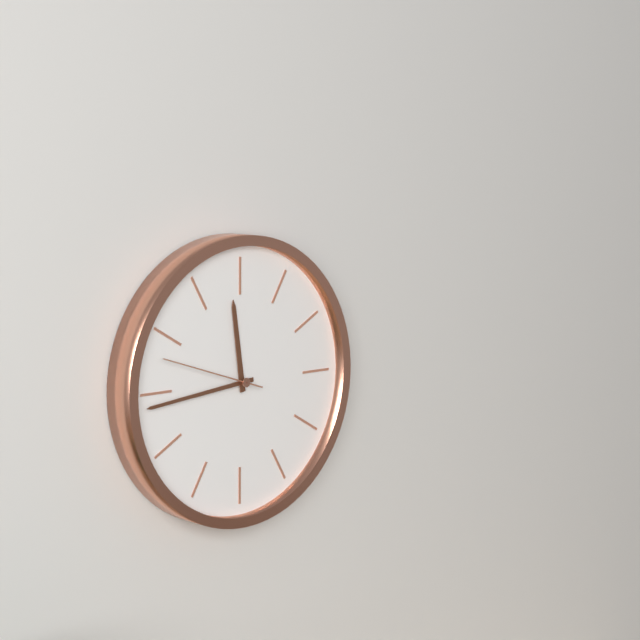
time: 11:44:48
